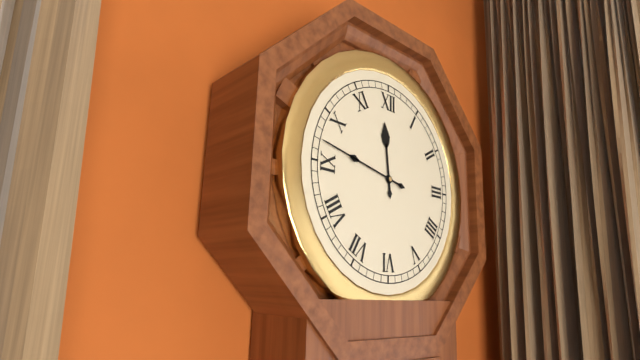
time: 11:47
